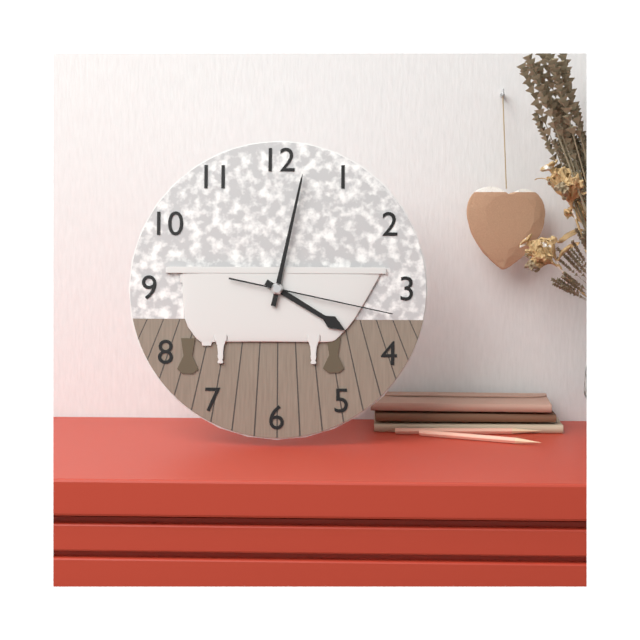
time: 4:02:17
